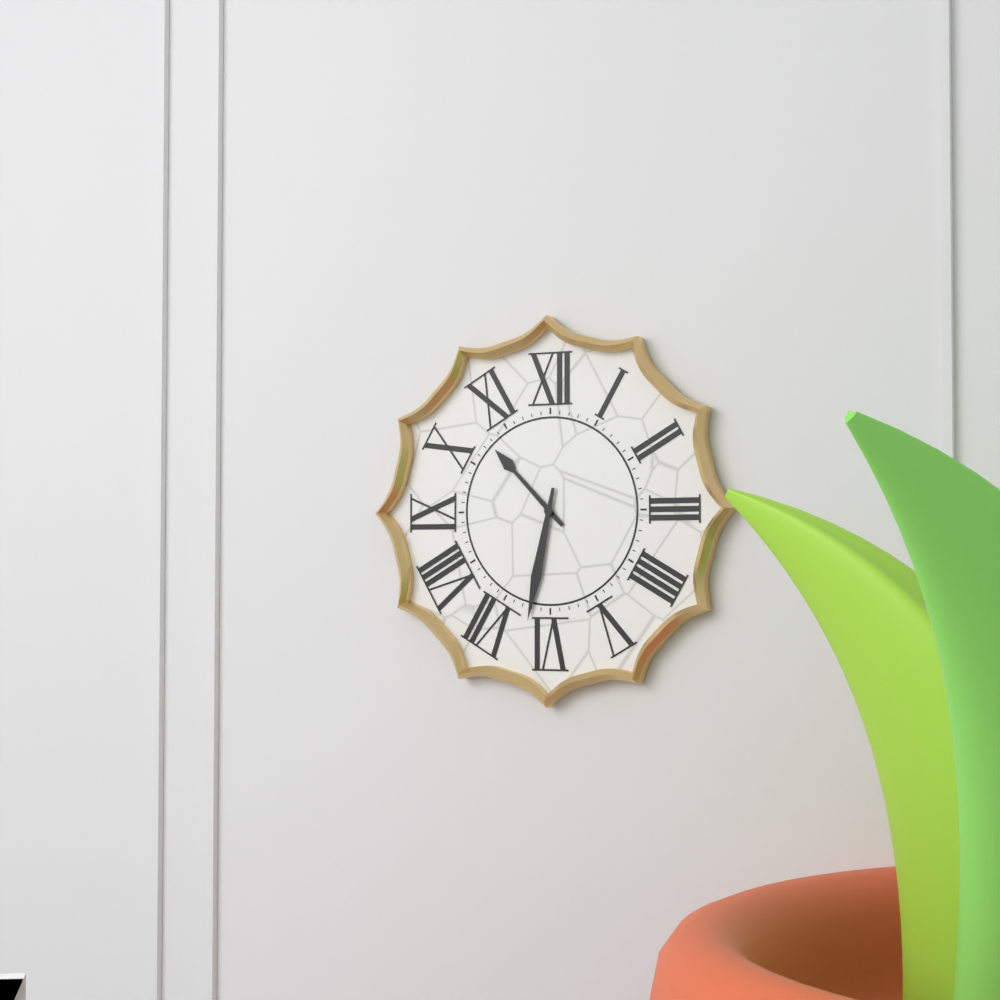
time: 10:32
